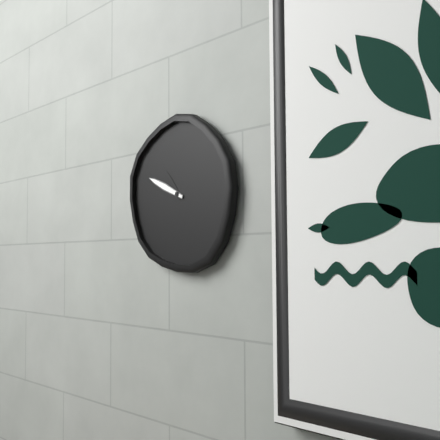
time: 10:49
